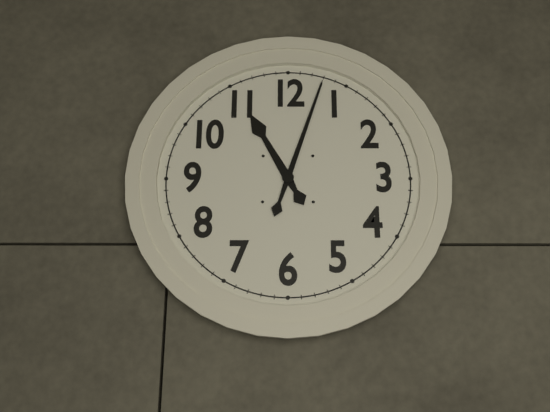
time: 11:03
